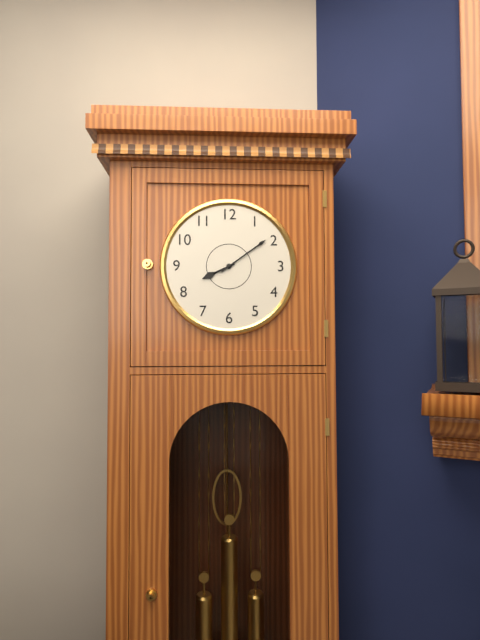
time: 8:09
